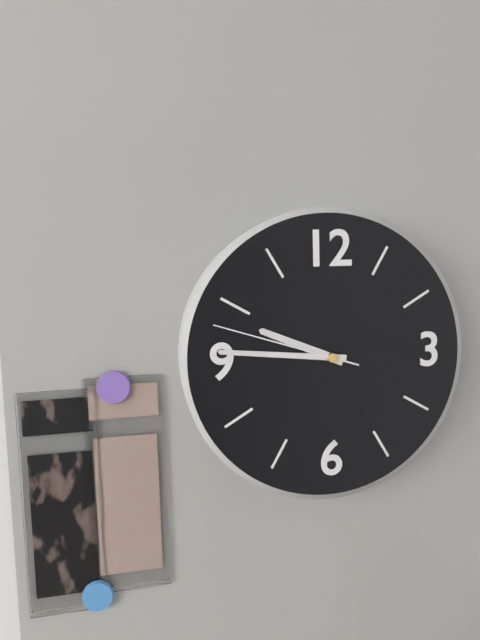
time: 9:46:48
